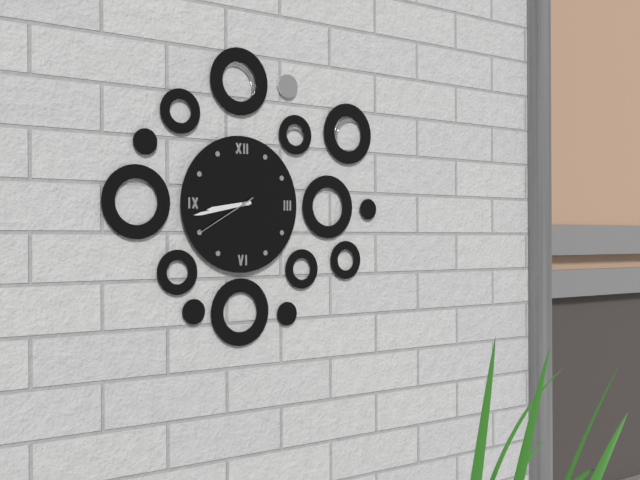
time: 8:43:40
